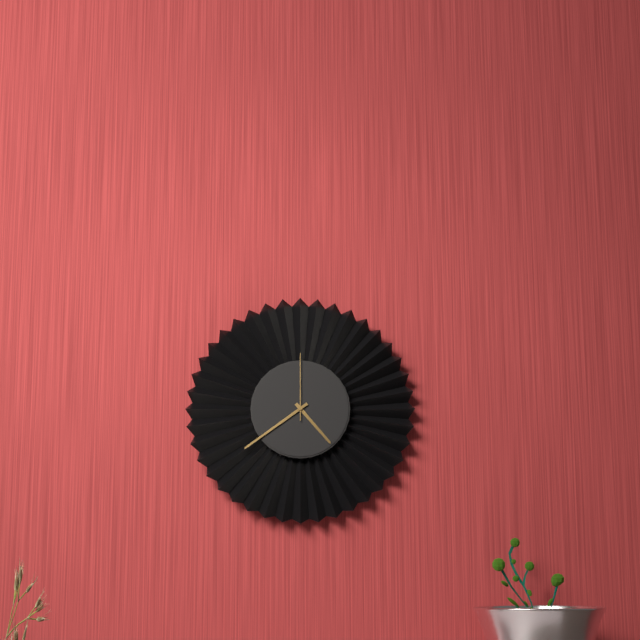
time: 4:39:00
